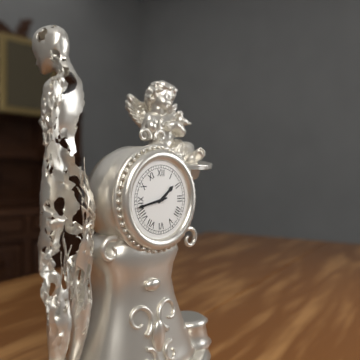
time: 1:43
